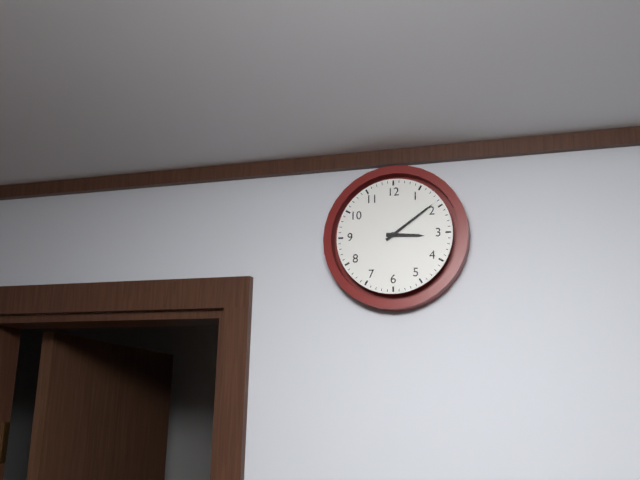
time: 3:09
